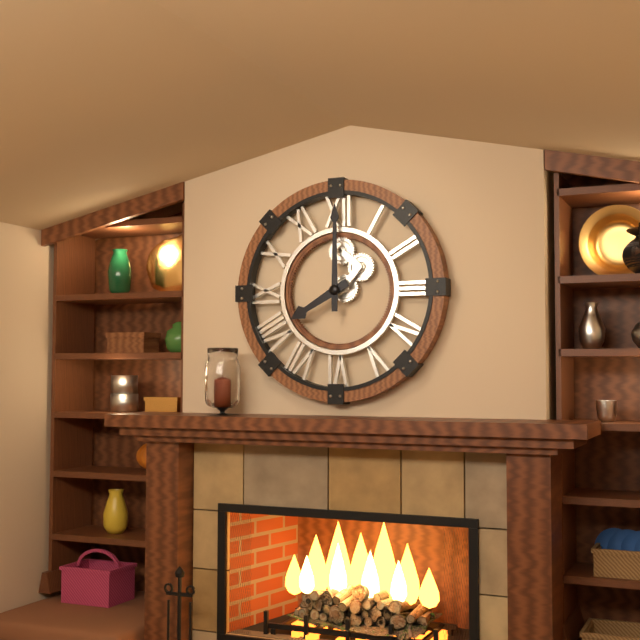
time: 8:00
